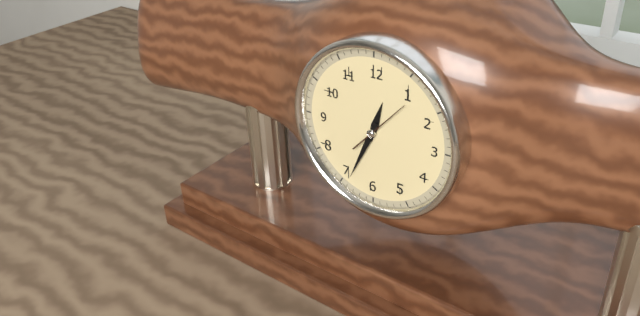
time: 12:34:07
